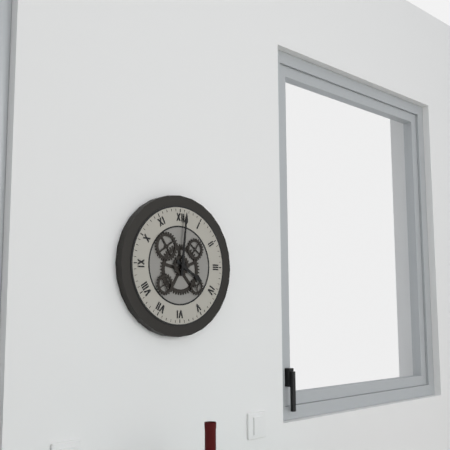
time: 4:01
